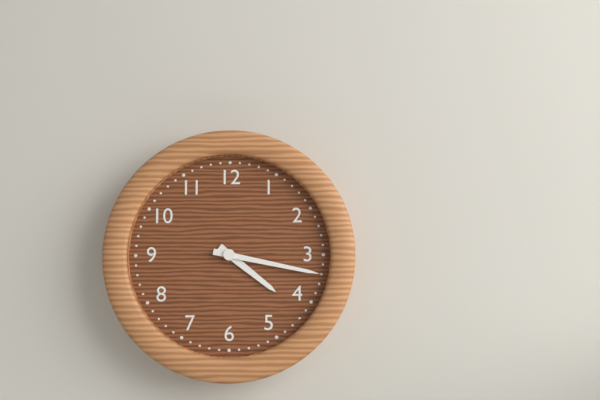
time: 4:17
